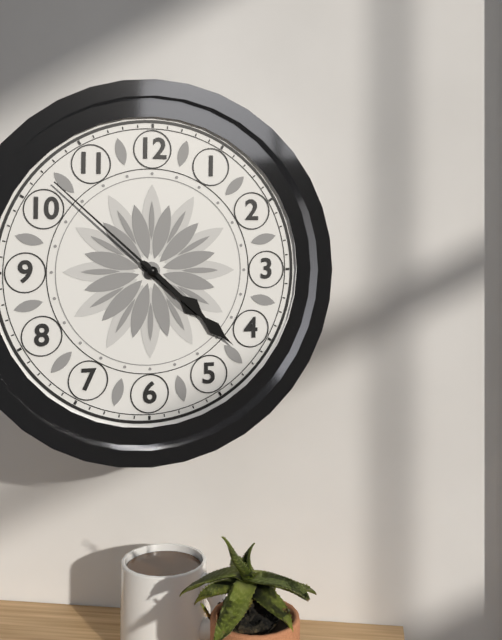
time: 4:22:52
